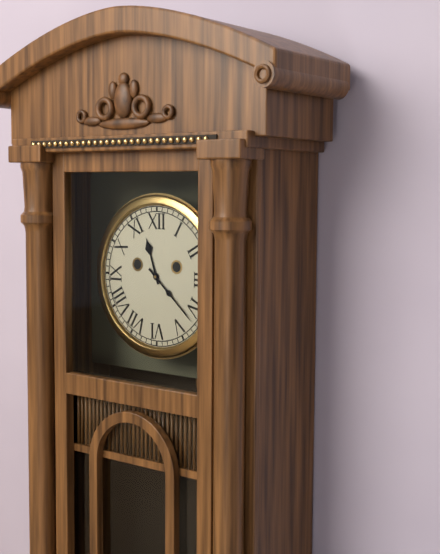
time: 11:22
